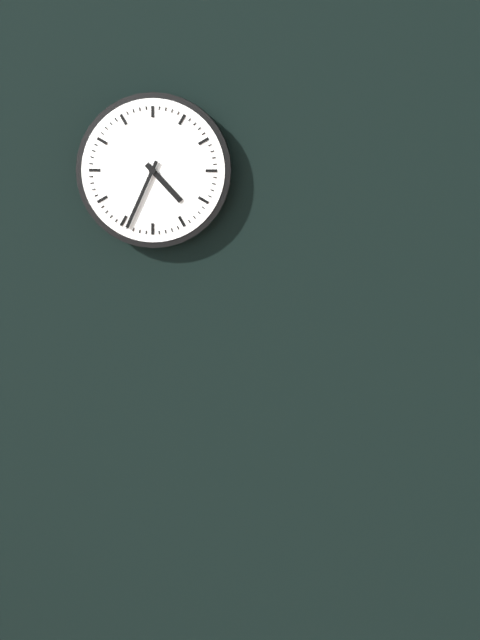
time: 4:34
